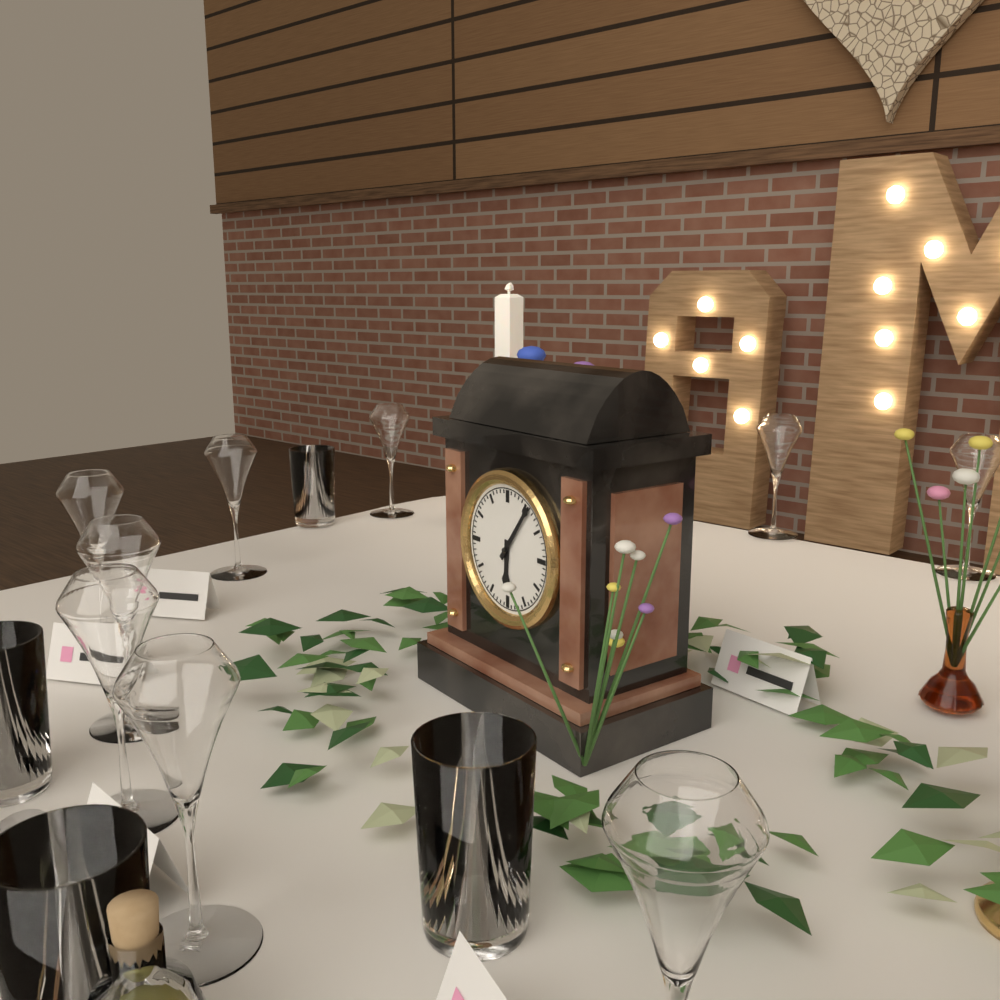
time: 6:06
